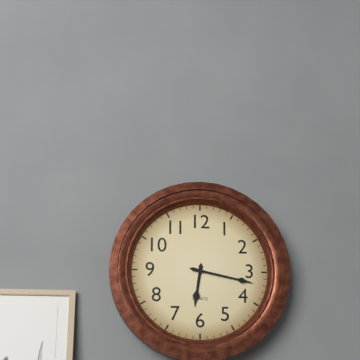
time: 6:17
